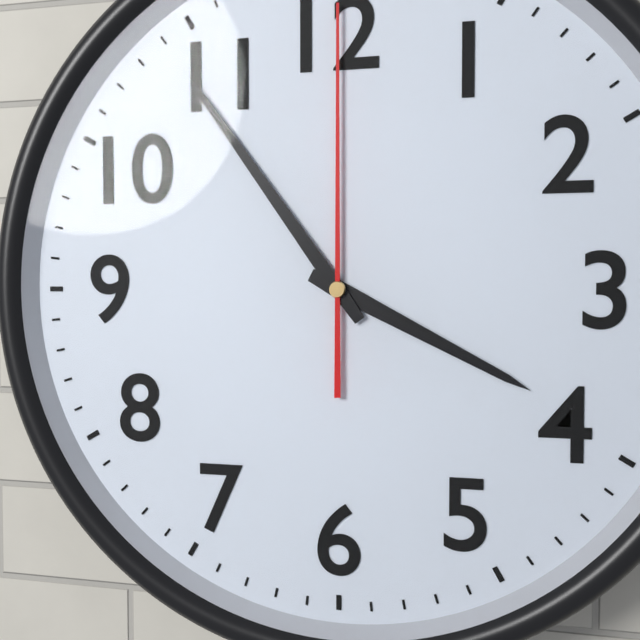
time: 3:54:00
